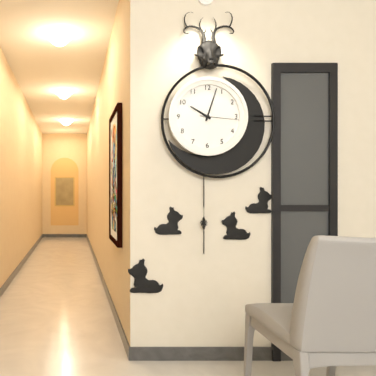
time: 10:03
